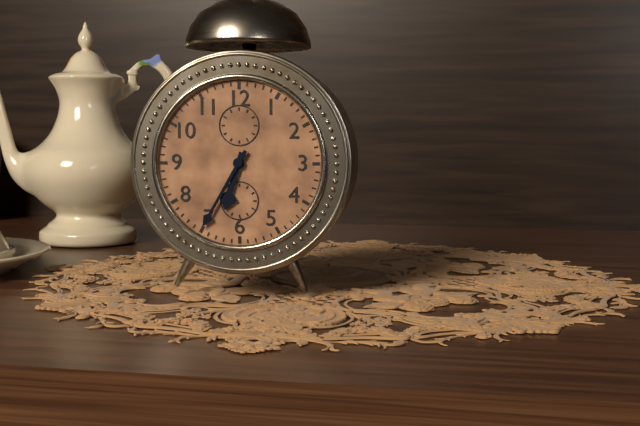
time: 6:35
